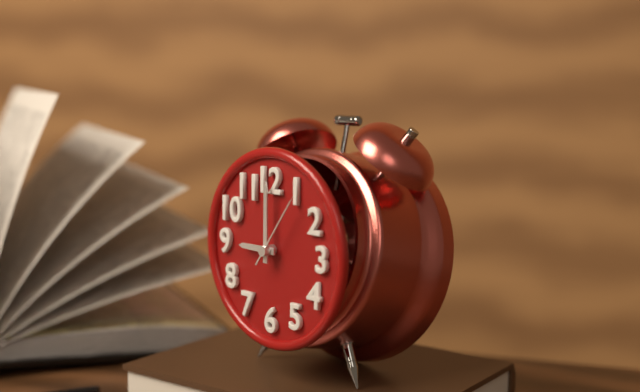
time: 9:00:06
